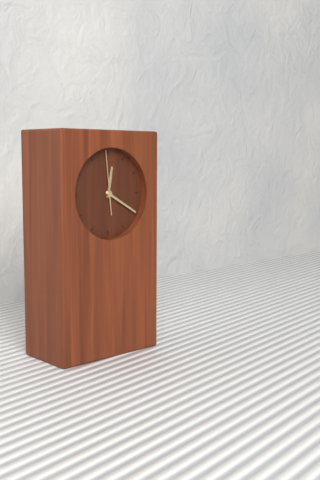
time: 12:20:59
